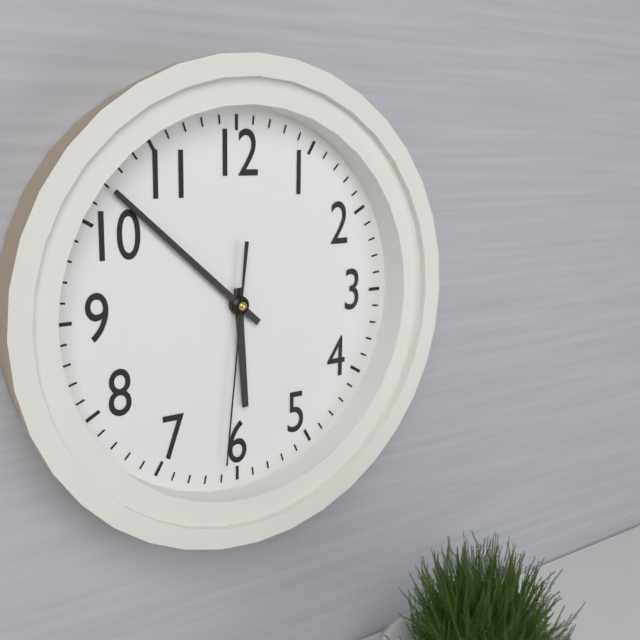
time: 5:52:31
